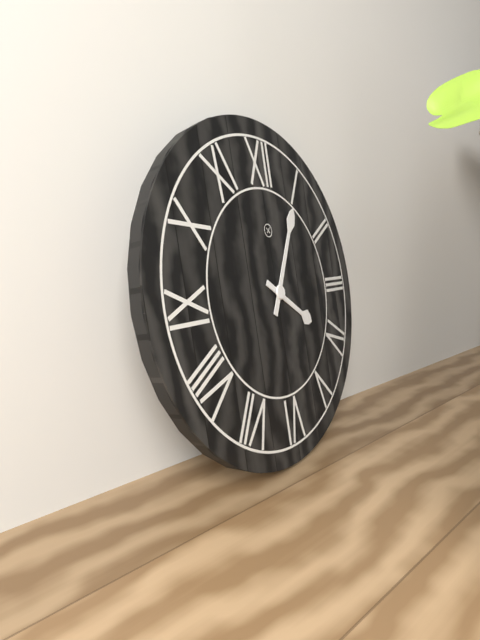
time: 4:05
